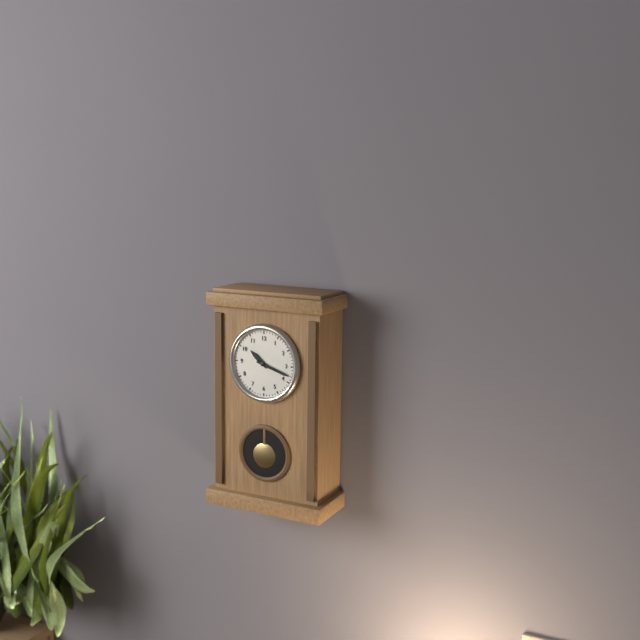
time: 10:18
